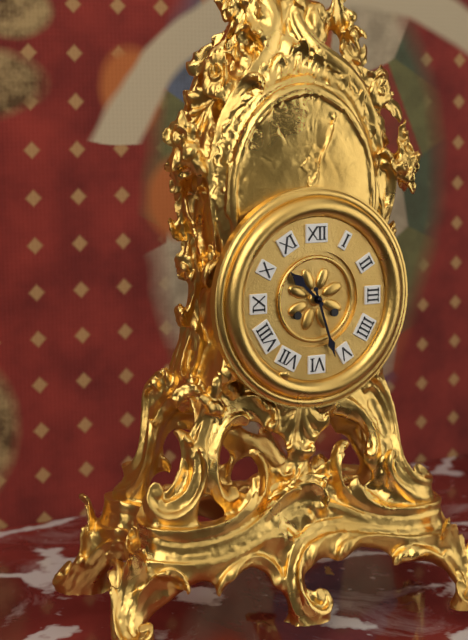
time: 10:27
